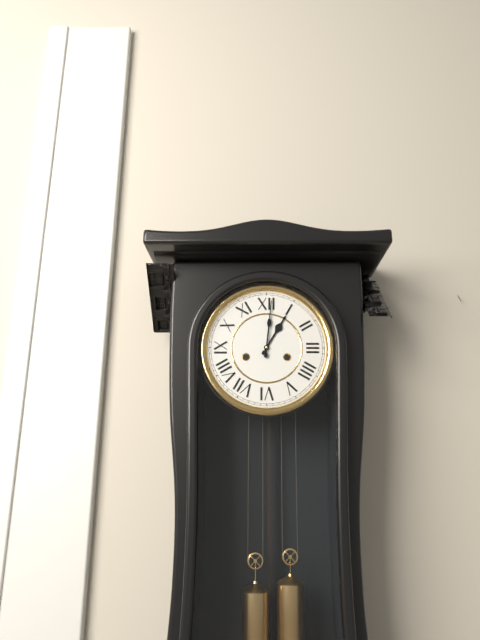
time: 1:01
